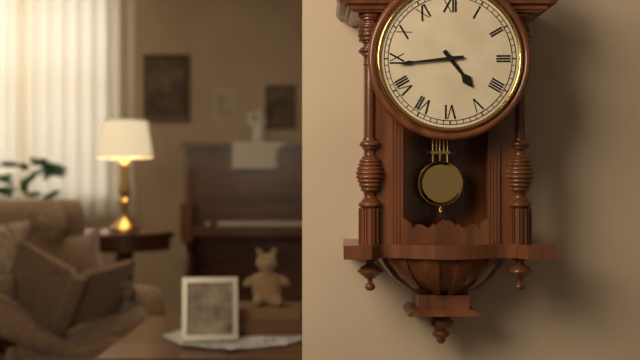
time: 4:44
